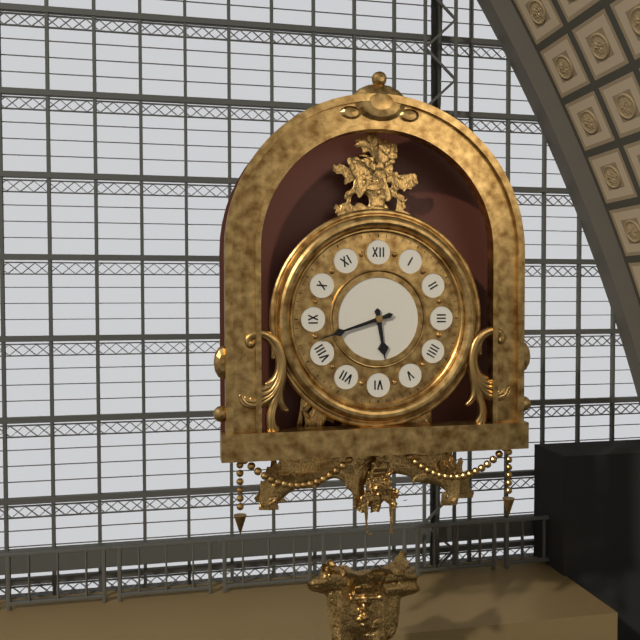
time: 5:42
